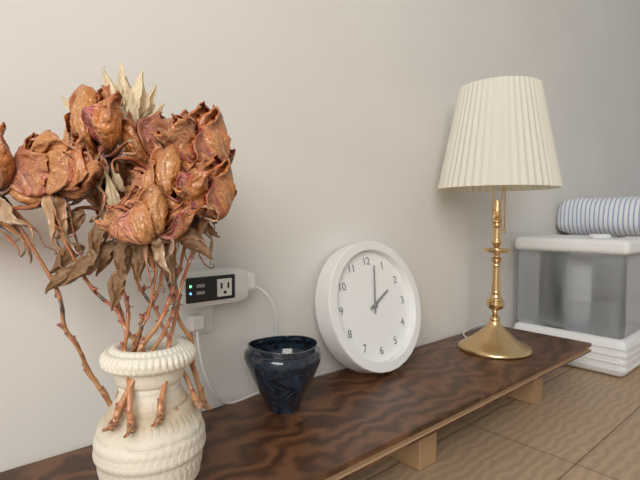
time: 2:02
